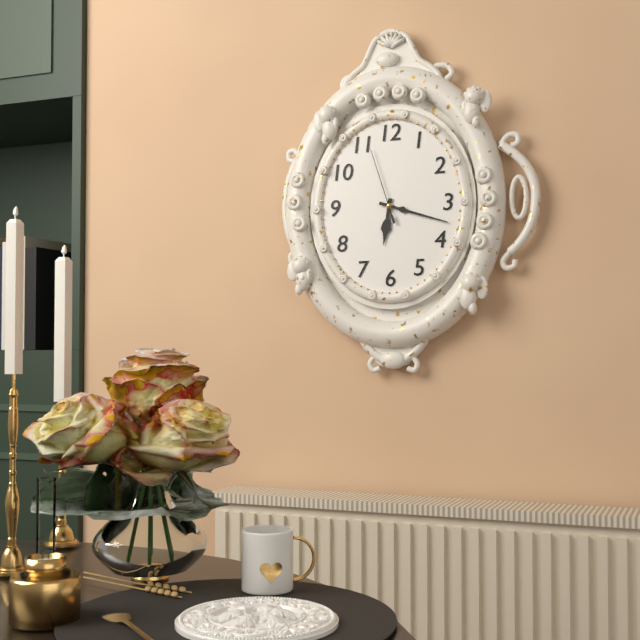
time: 6:18:57
